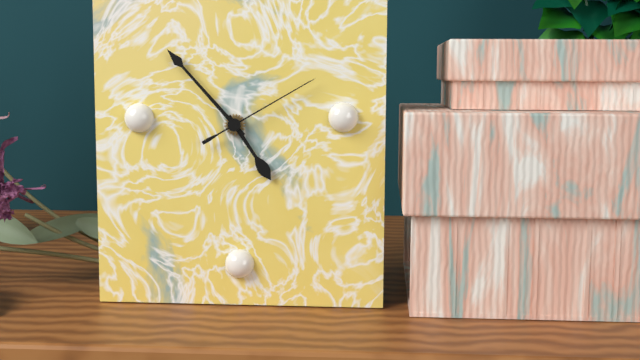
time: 4:53:10
